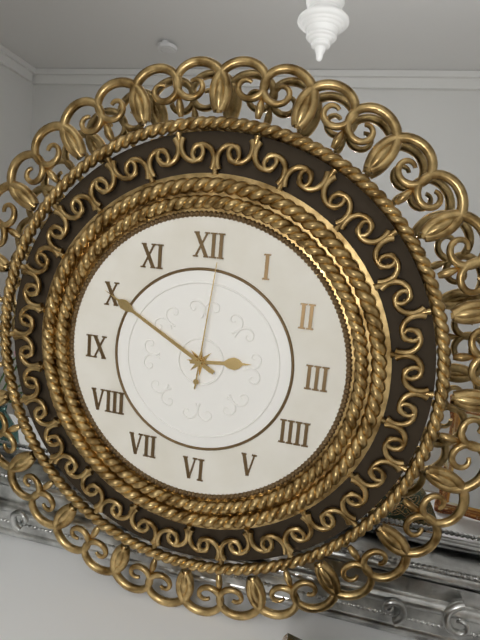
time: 2:50:01
